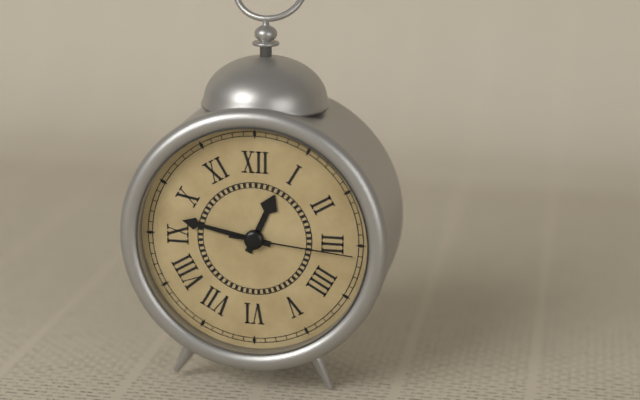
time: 12:47:16
